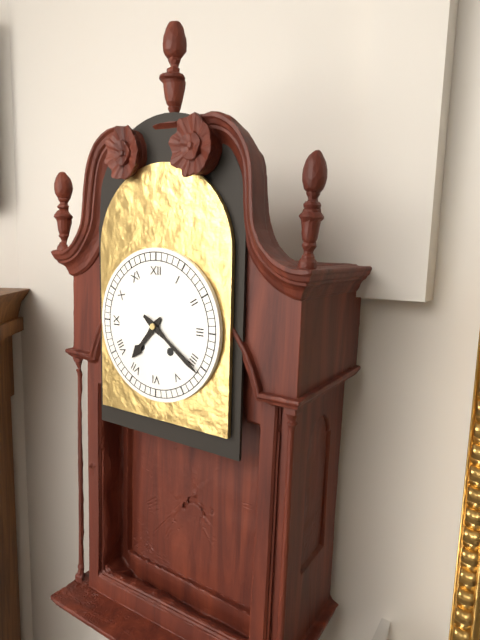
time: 7:21
